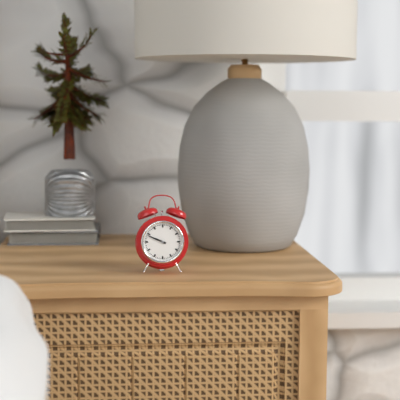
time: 9:49
